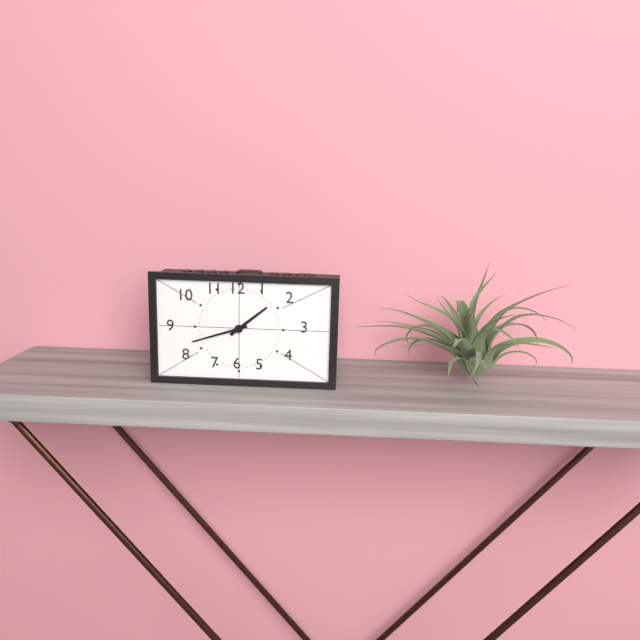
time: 1:42
